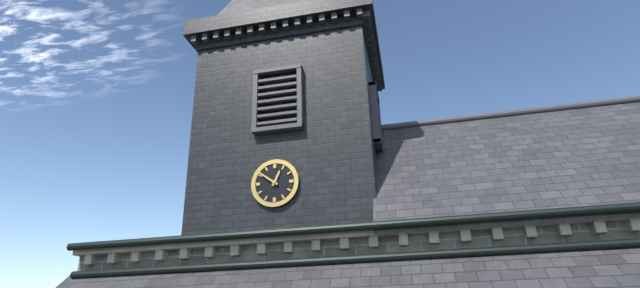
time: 12:51
